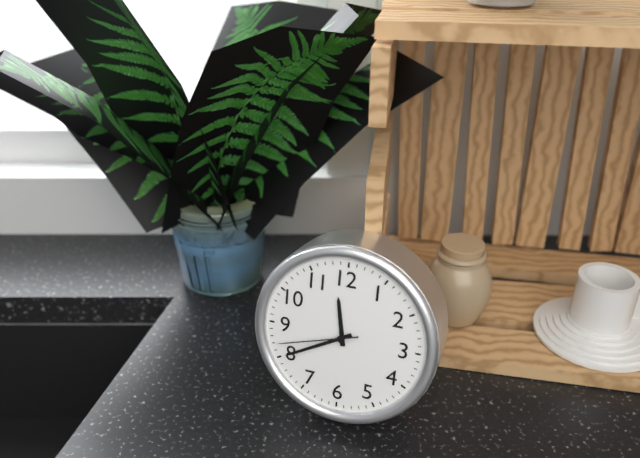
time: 11:40:42
